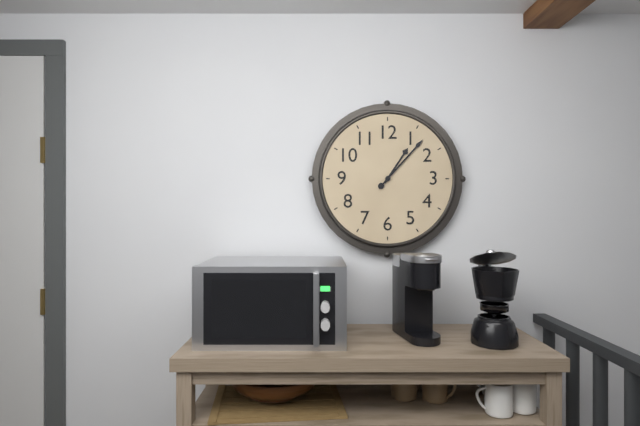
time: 1:07
